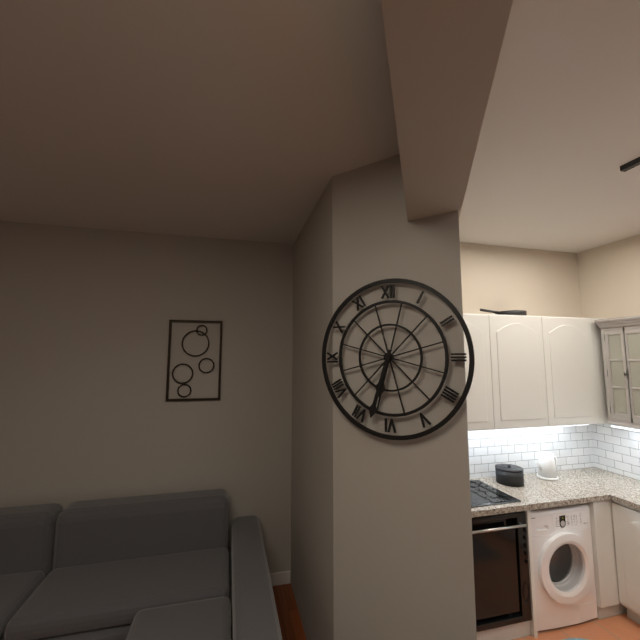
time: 6:33
